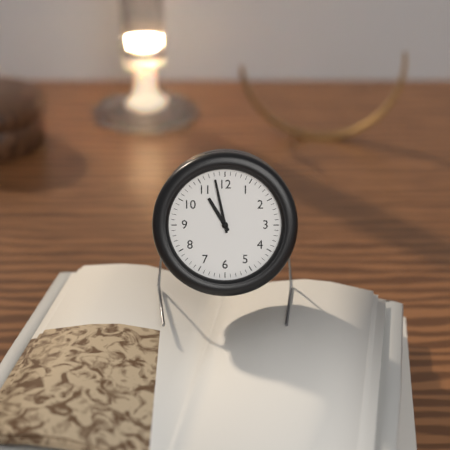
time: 10:58
